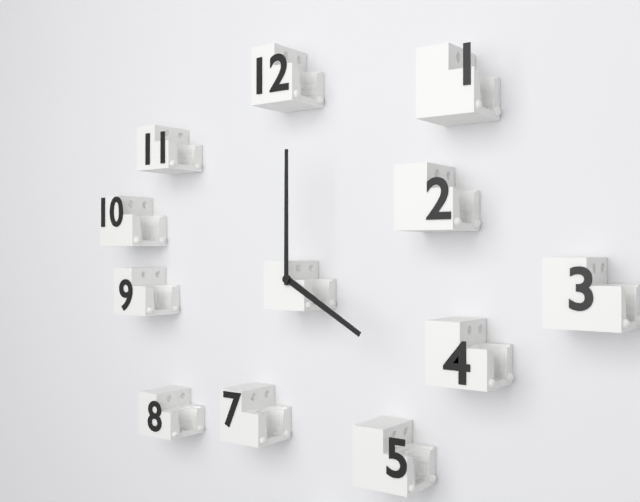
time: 4:00
